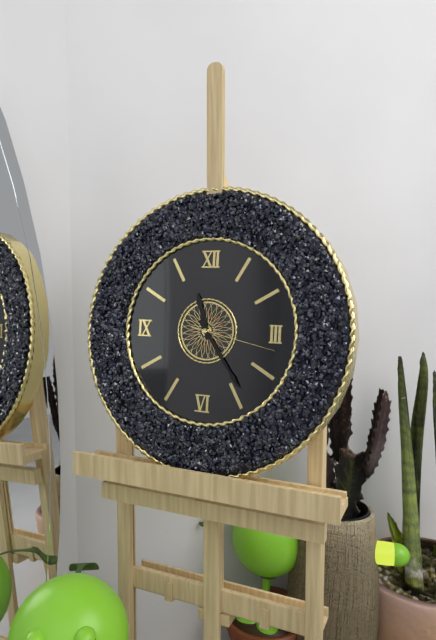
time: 11:24:17
